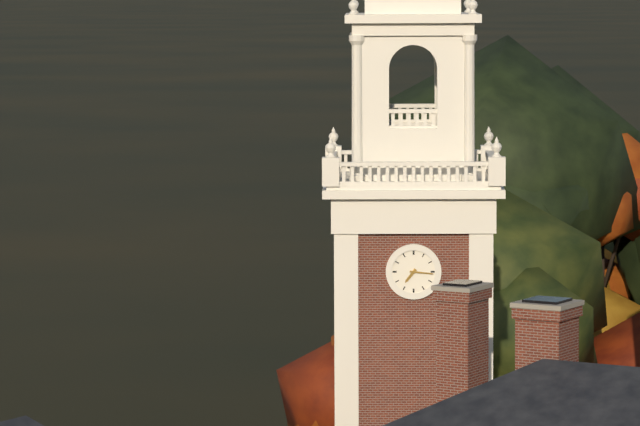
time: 7:16
